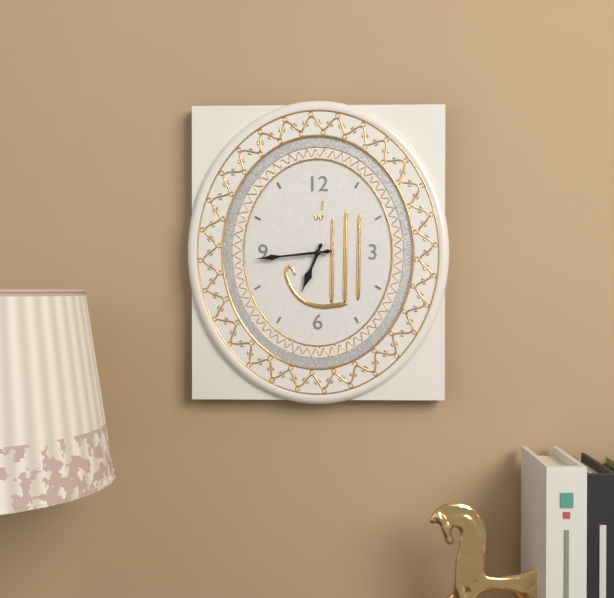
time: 6:44
